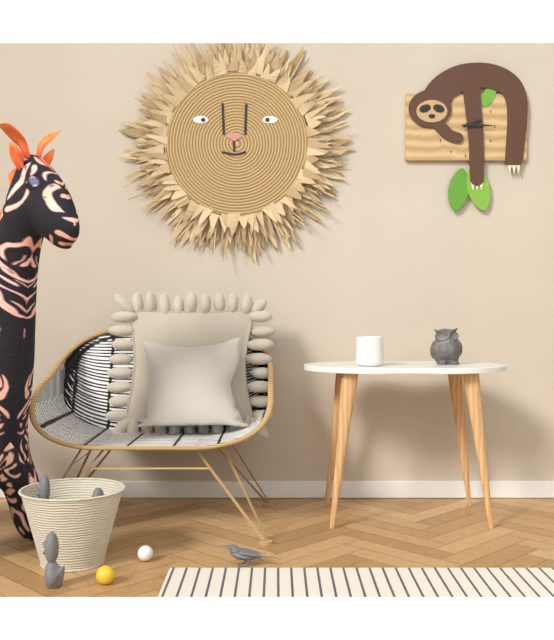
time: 2:15
